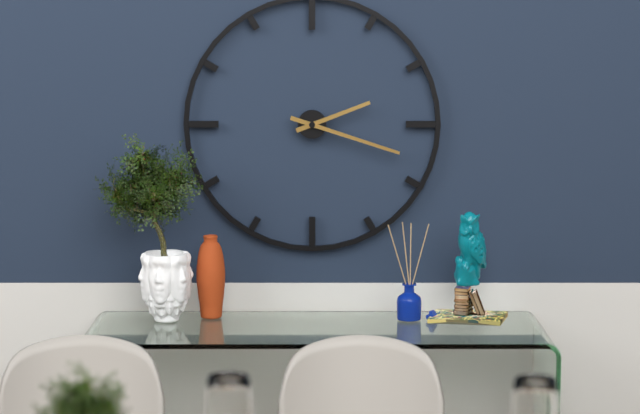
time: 2:18
